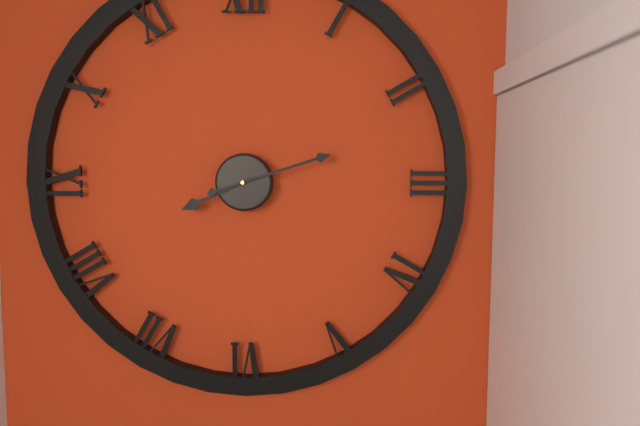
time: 8:12
